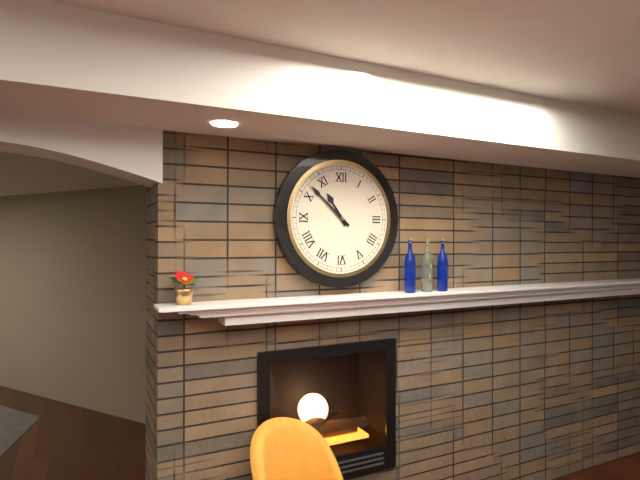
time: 10:52
